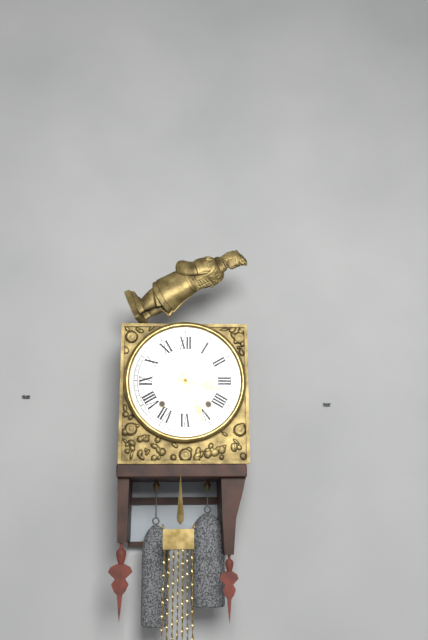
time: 3:26
